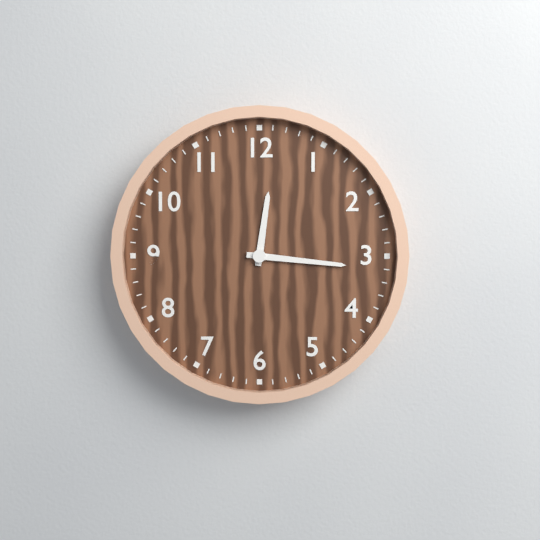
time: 12:16
